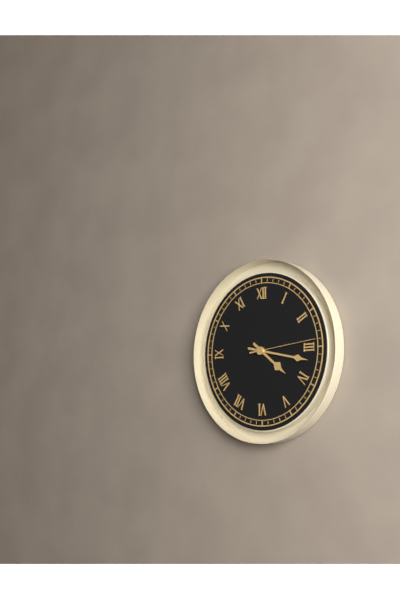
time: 4:17:14
